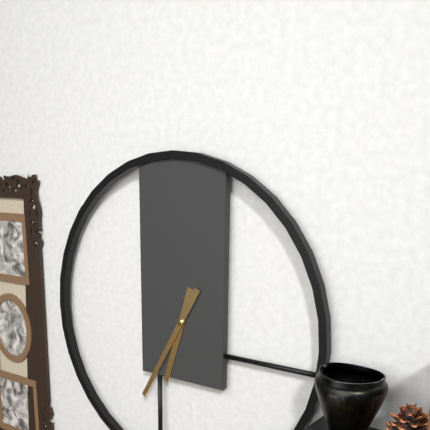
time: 6:35
